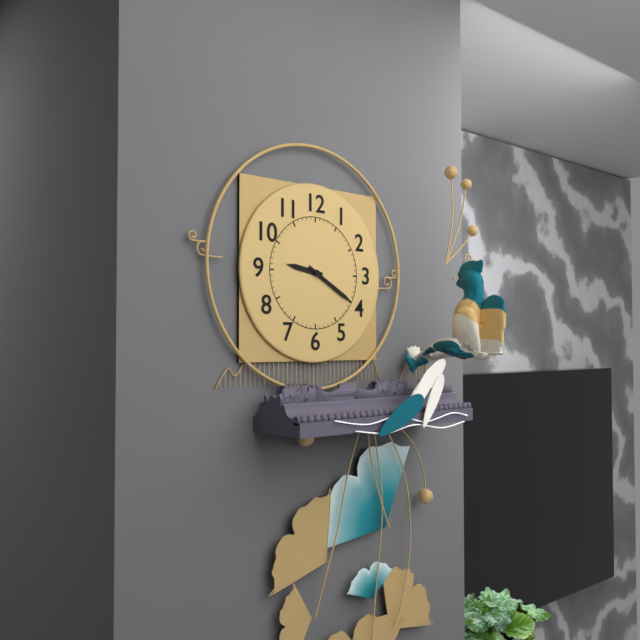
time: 9:20
